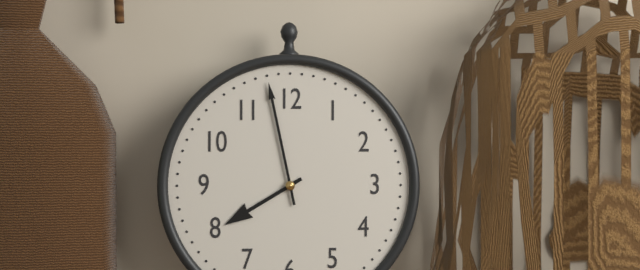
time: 7:58
